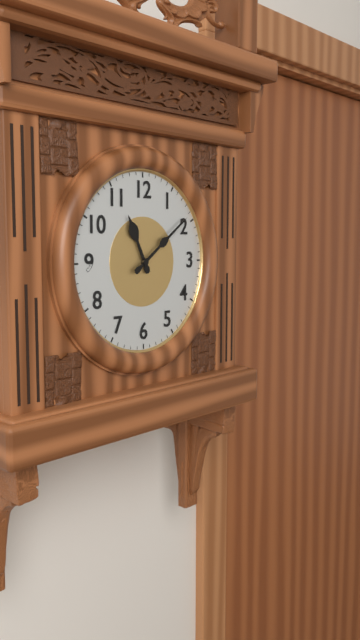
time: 11:09
